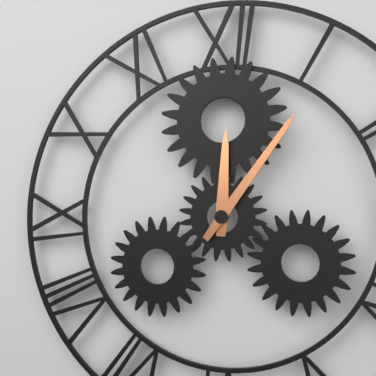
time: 12:06
